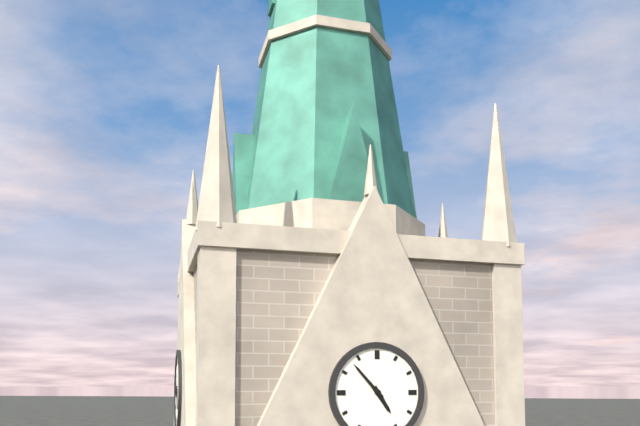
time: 4:53
